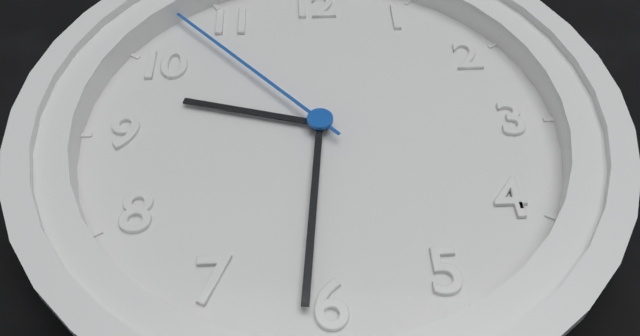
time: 9:31:53
